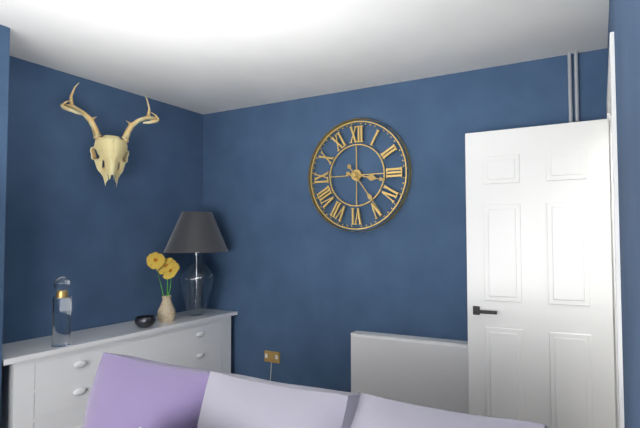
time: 3:24
